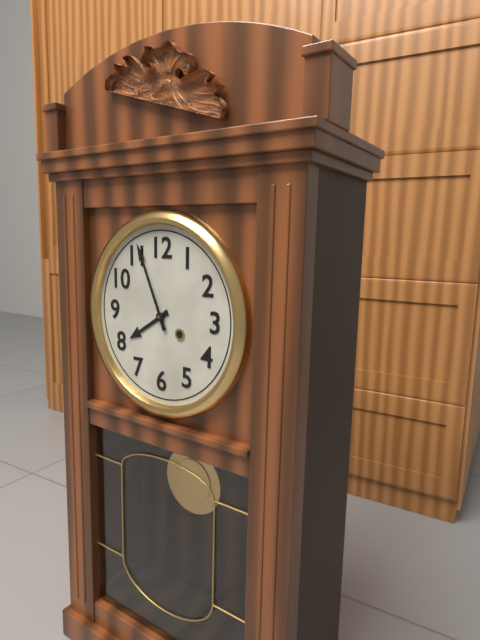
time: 7:56
